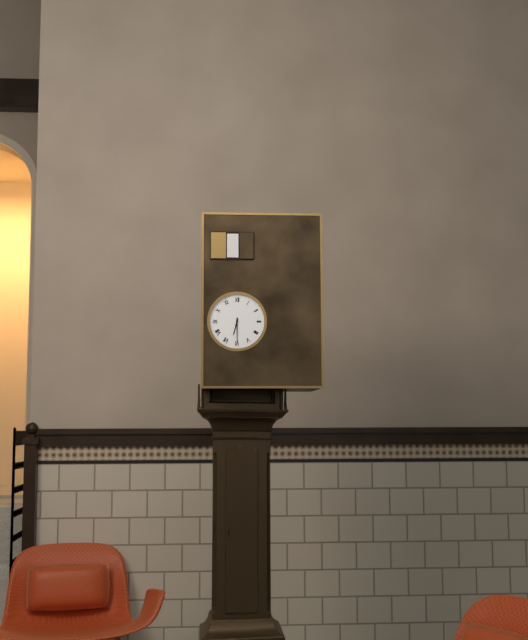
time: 6:30
